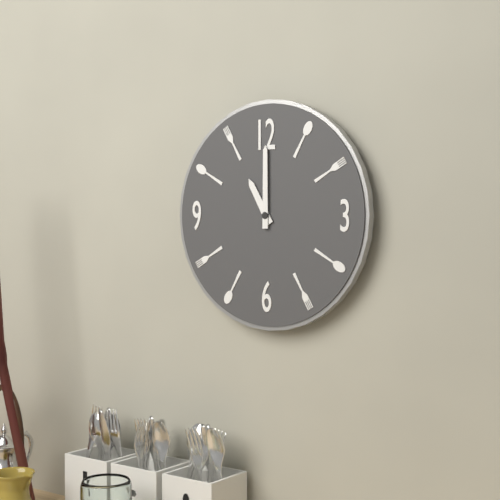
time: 11:00
